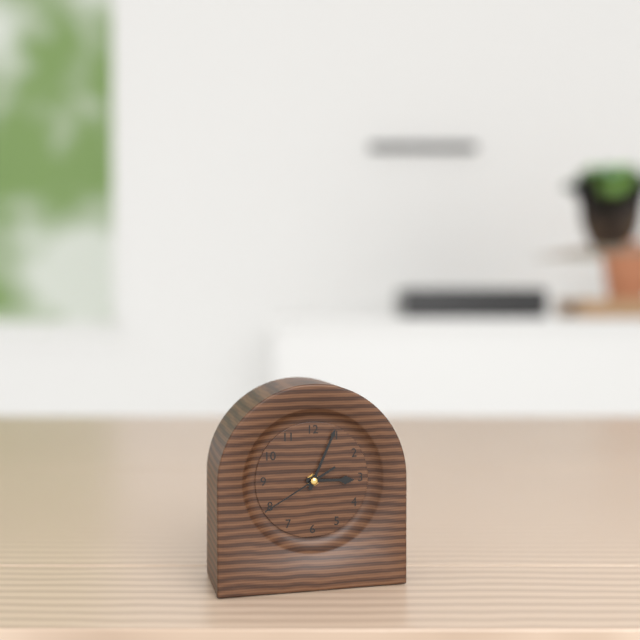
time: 3:04:40
